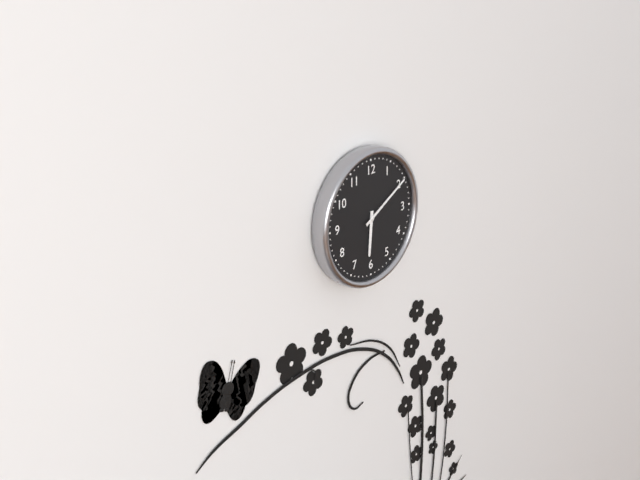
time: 6:10
